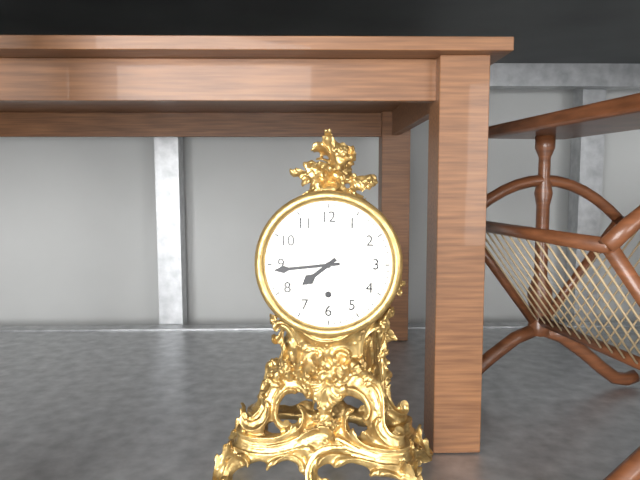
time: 7:44
